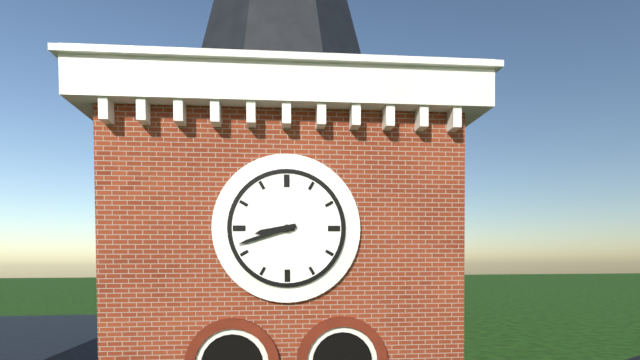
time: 8:42
